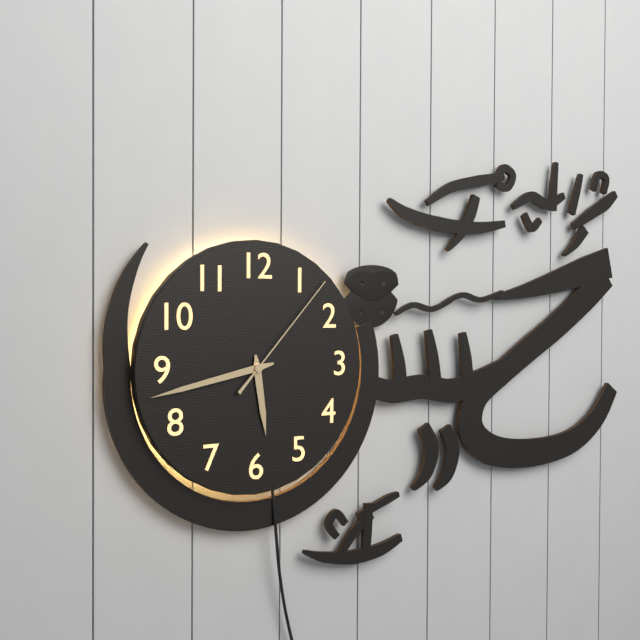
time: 5:43:07
